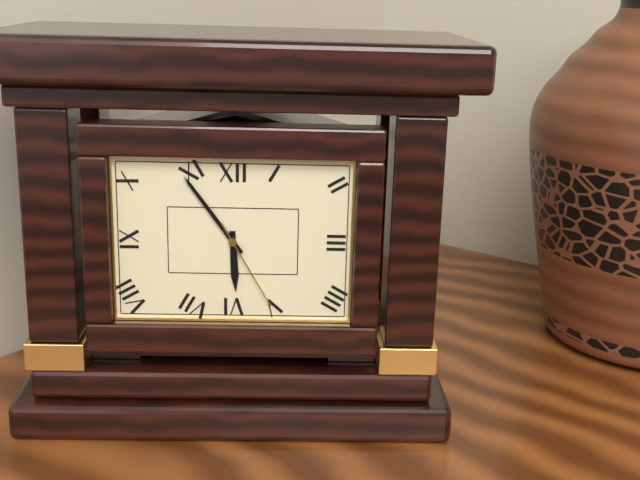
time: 5:54:25
